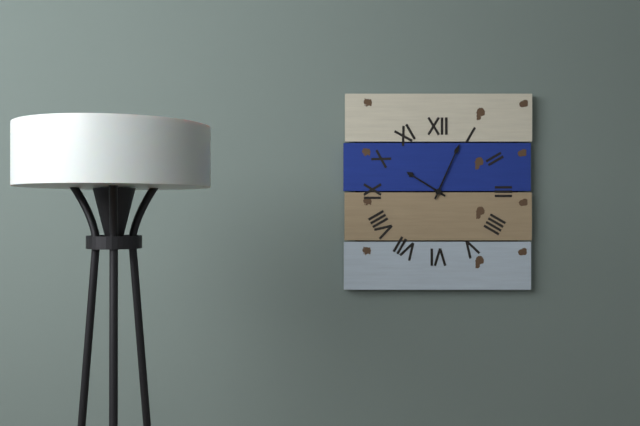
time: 10:04
